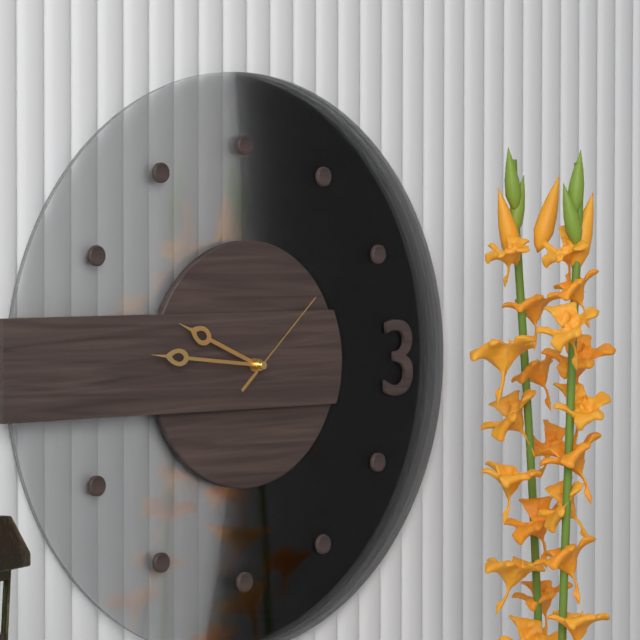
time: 9:46:08
